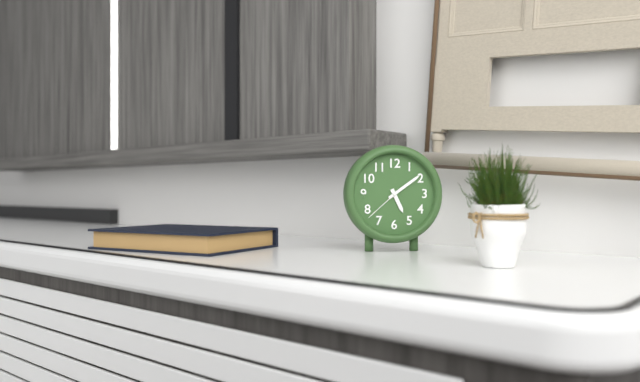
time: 5:09
